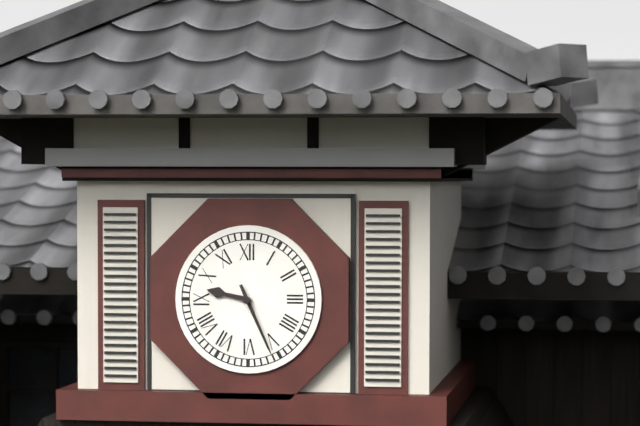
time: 9:26
